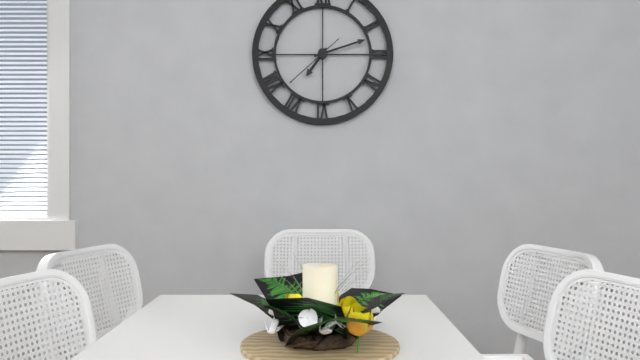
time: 7:12:38
